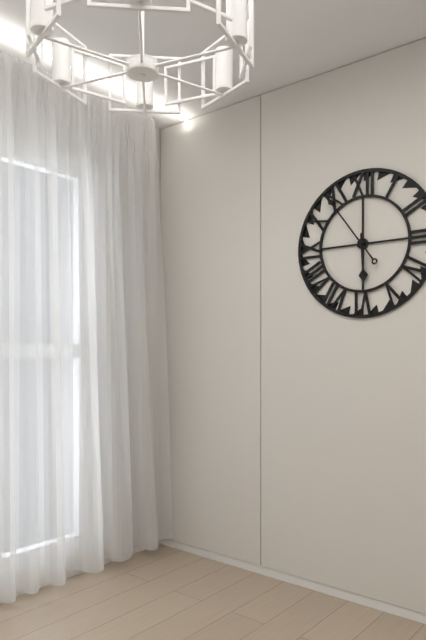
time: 5:54
